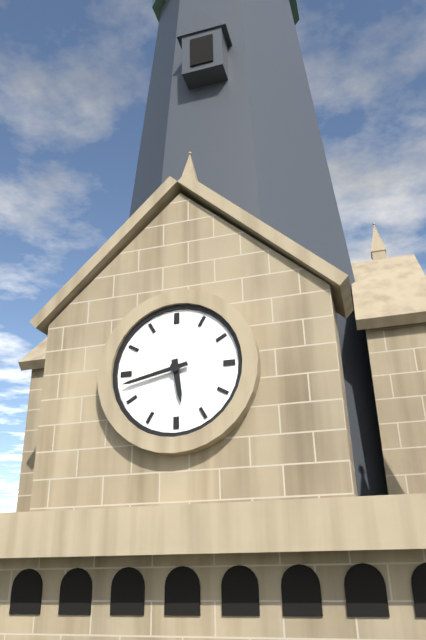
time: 5:43
